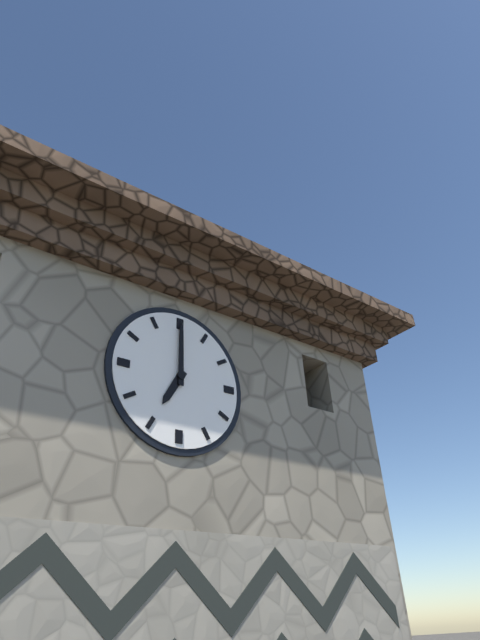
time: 7:00
